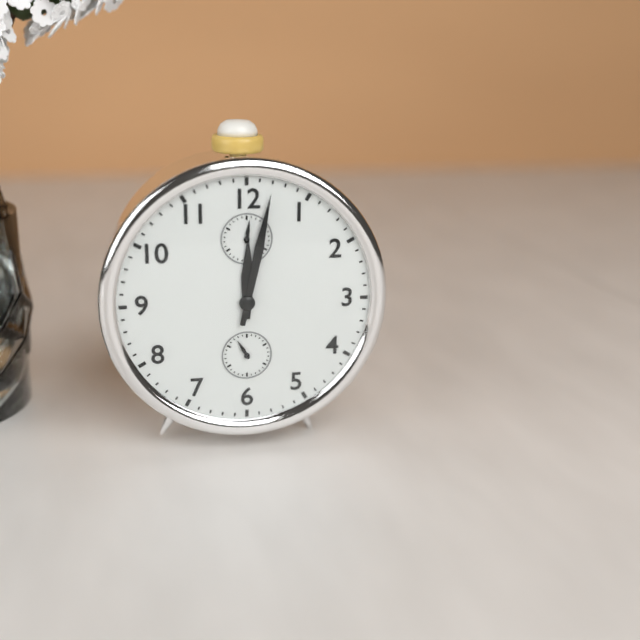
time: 12:02
